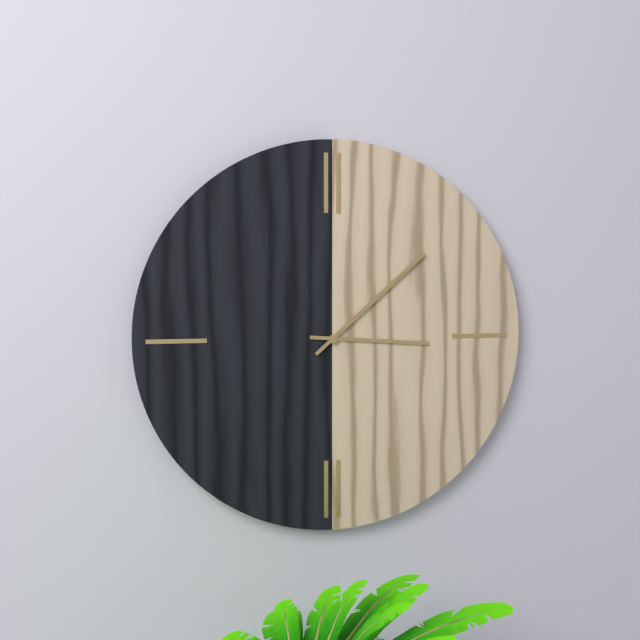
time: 3:08
